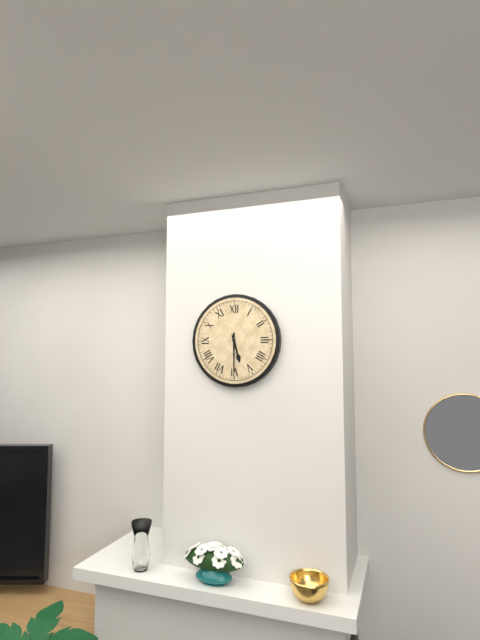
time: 5:30
